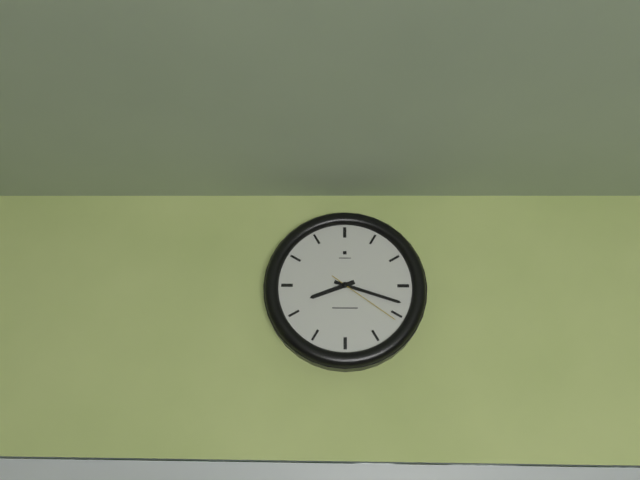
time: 8:18:21
